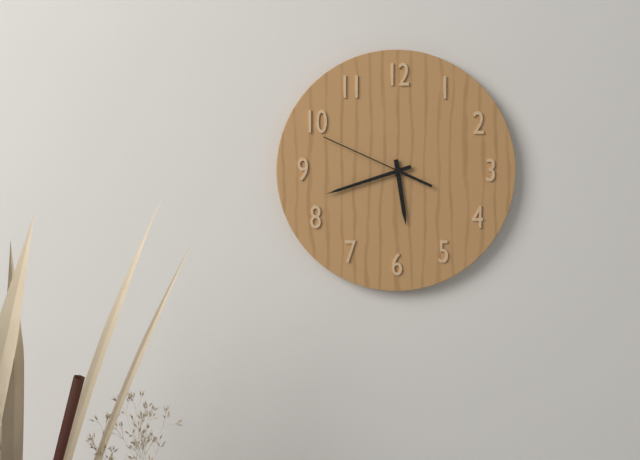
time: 5:42:49
